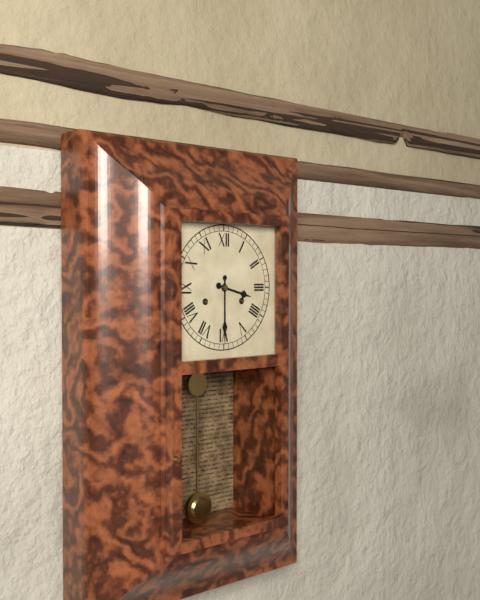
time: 3:30
